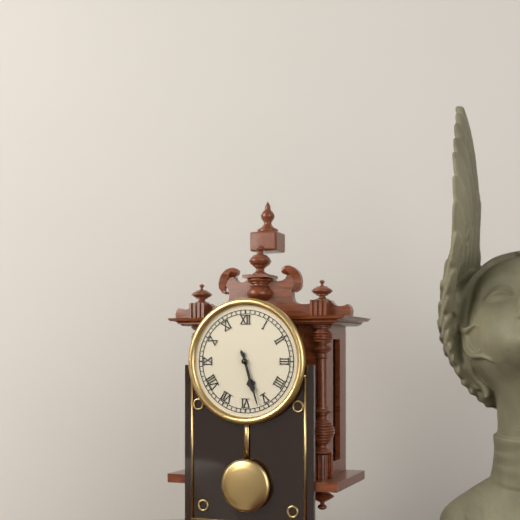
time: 5:27
